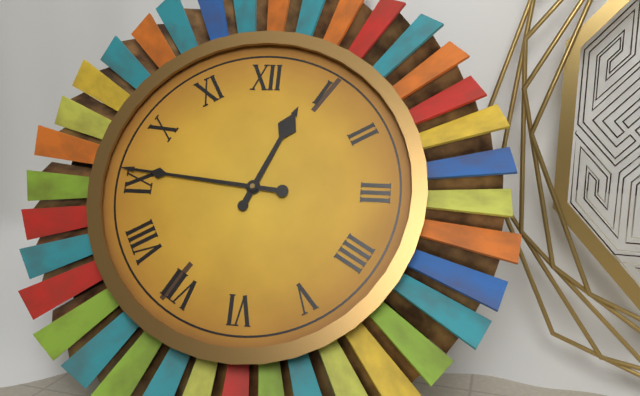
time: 12:46
